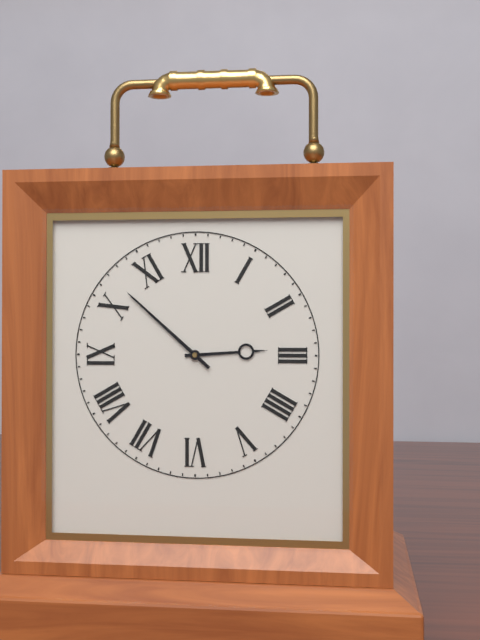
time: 2:52
